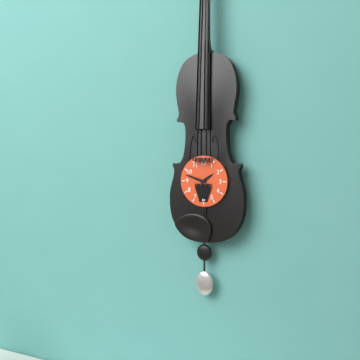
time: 1:48
